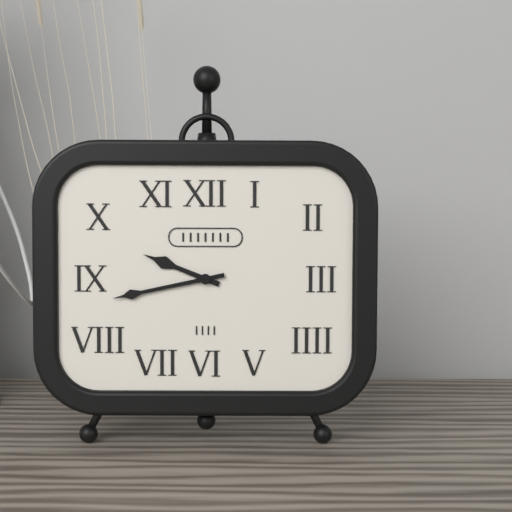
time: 9:43
